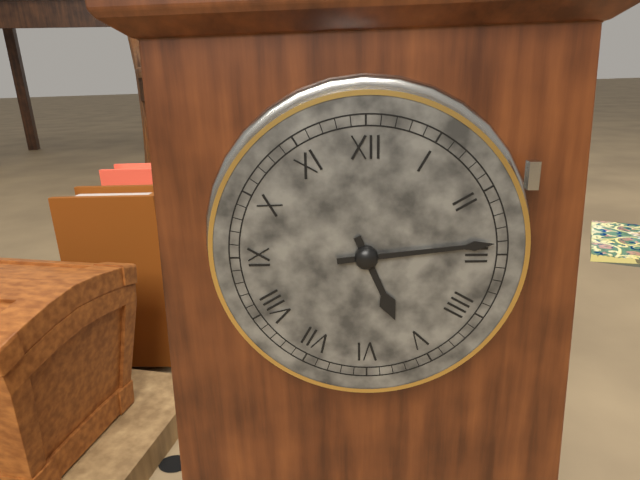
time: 5:14
